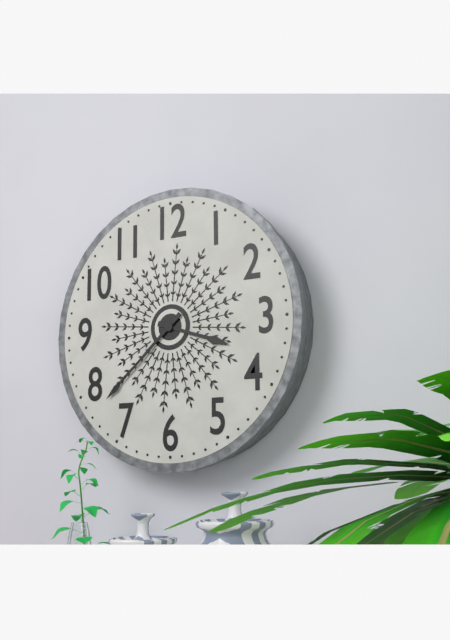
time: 3:38
